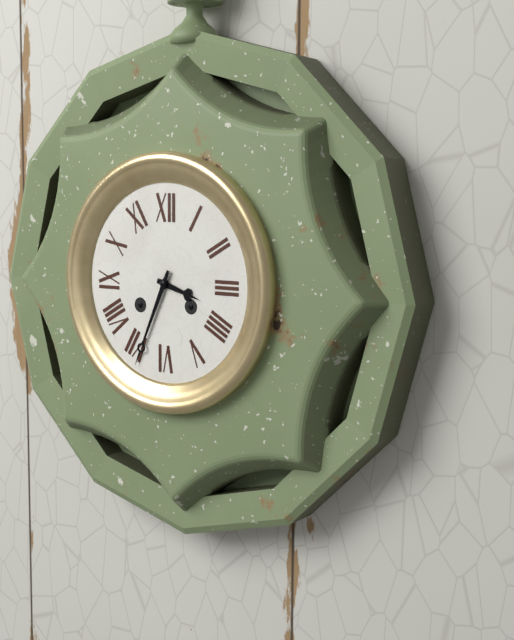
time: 3:34
